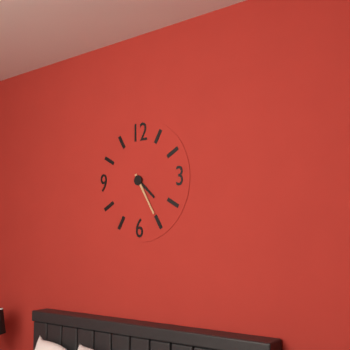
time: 4:25
